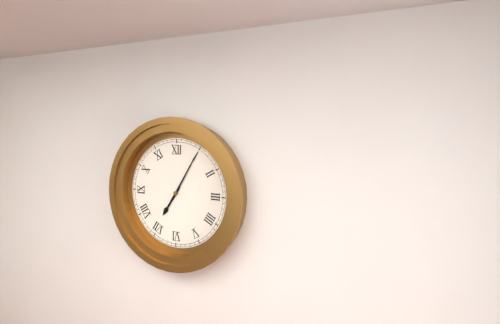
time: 7:05
